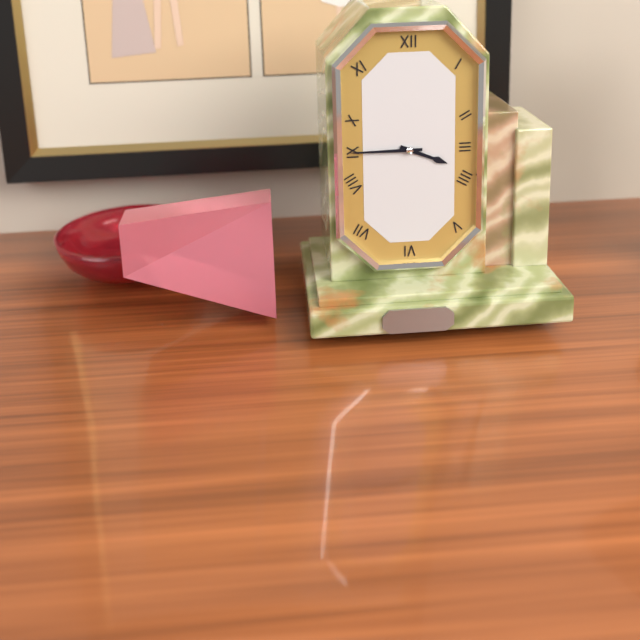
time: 3:45
